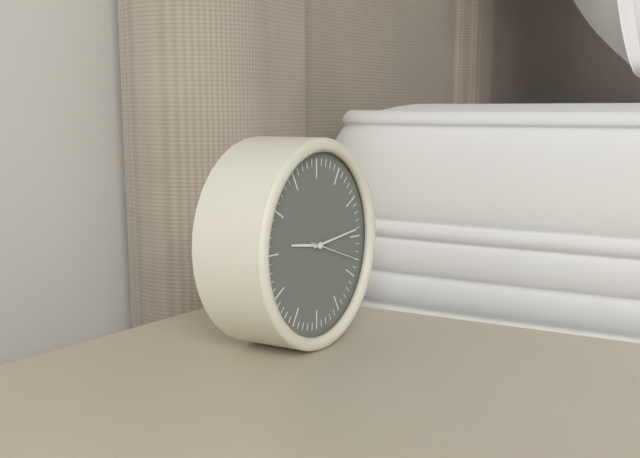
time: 9:14:18
